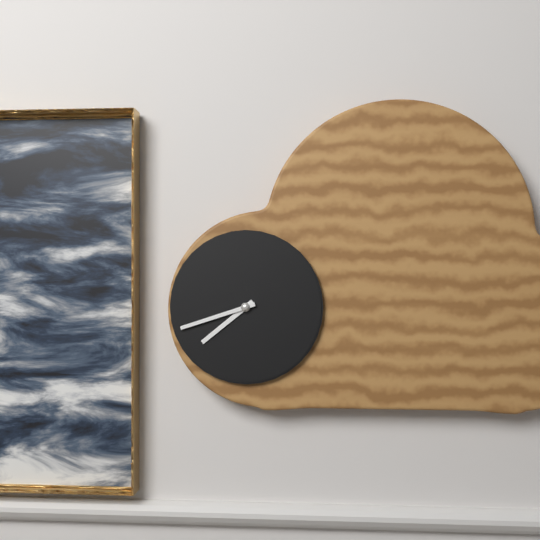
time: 7:42
